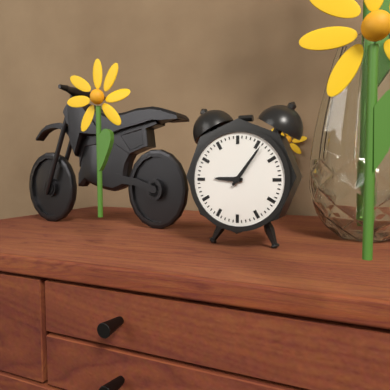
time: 9:06
